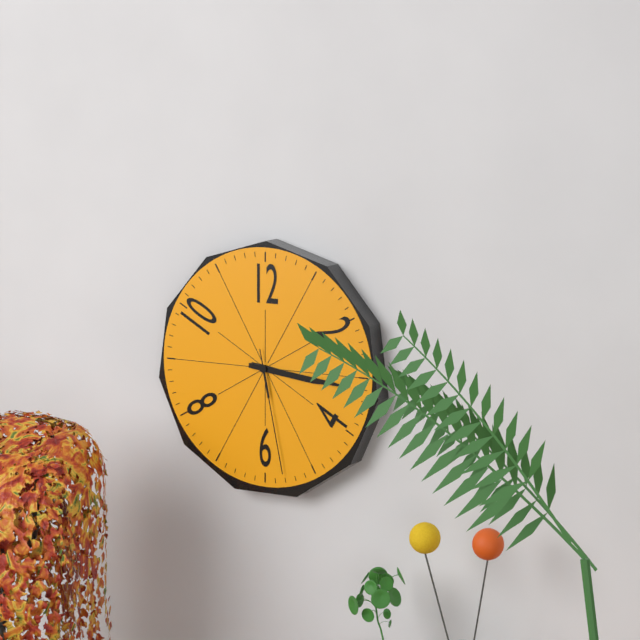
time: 3:16:28
